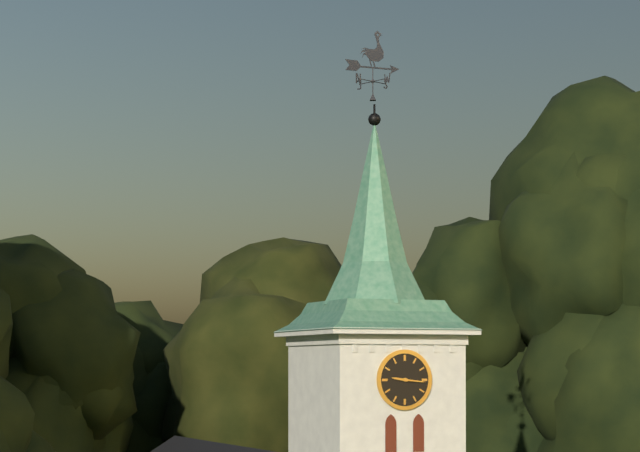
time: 9:16
